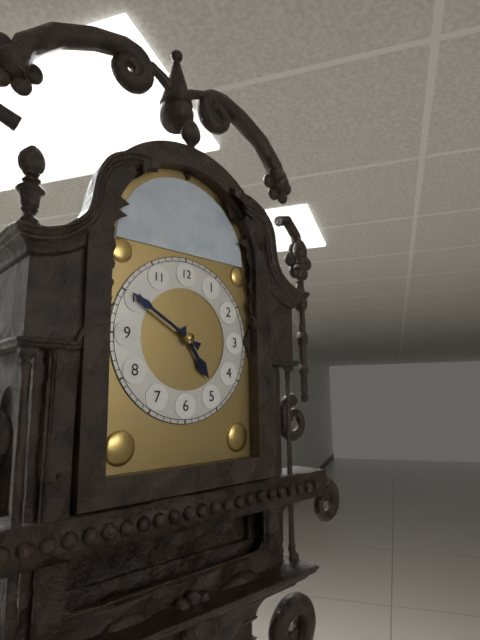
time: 4:50
